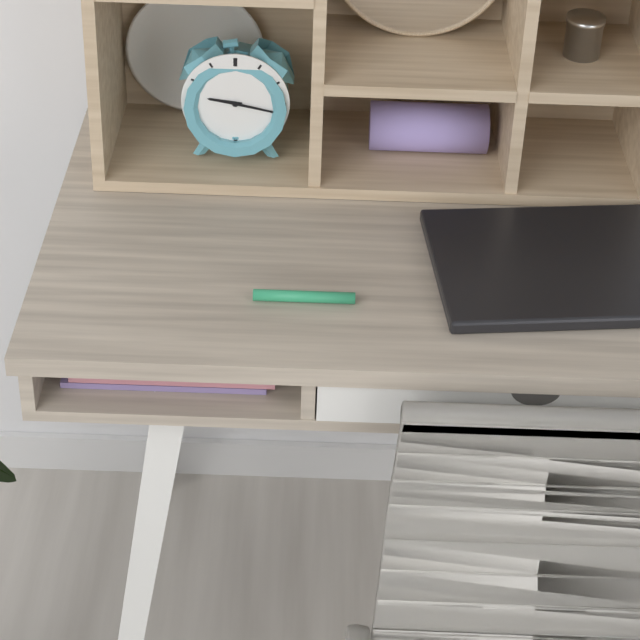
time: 9:17
